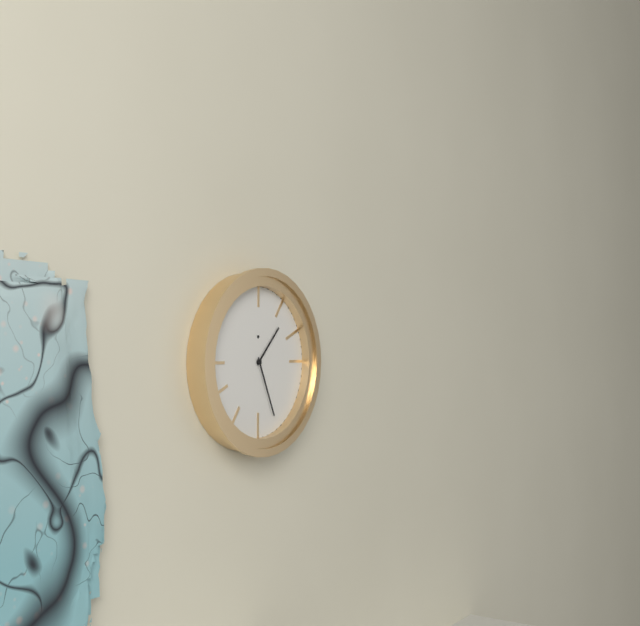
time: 1:26
